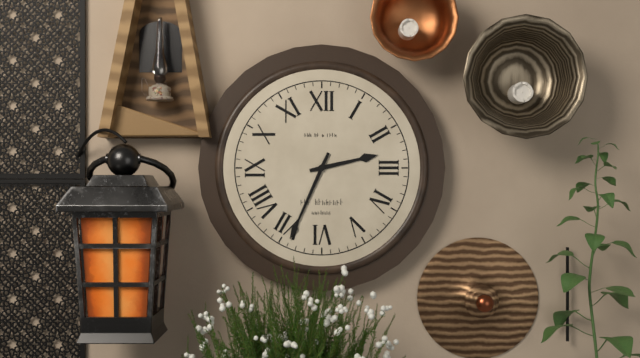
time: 2:34
